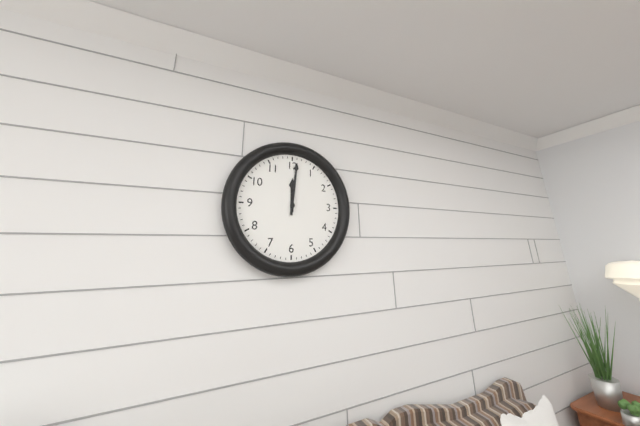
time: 12:01
